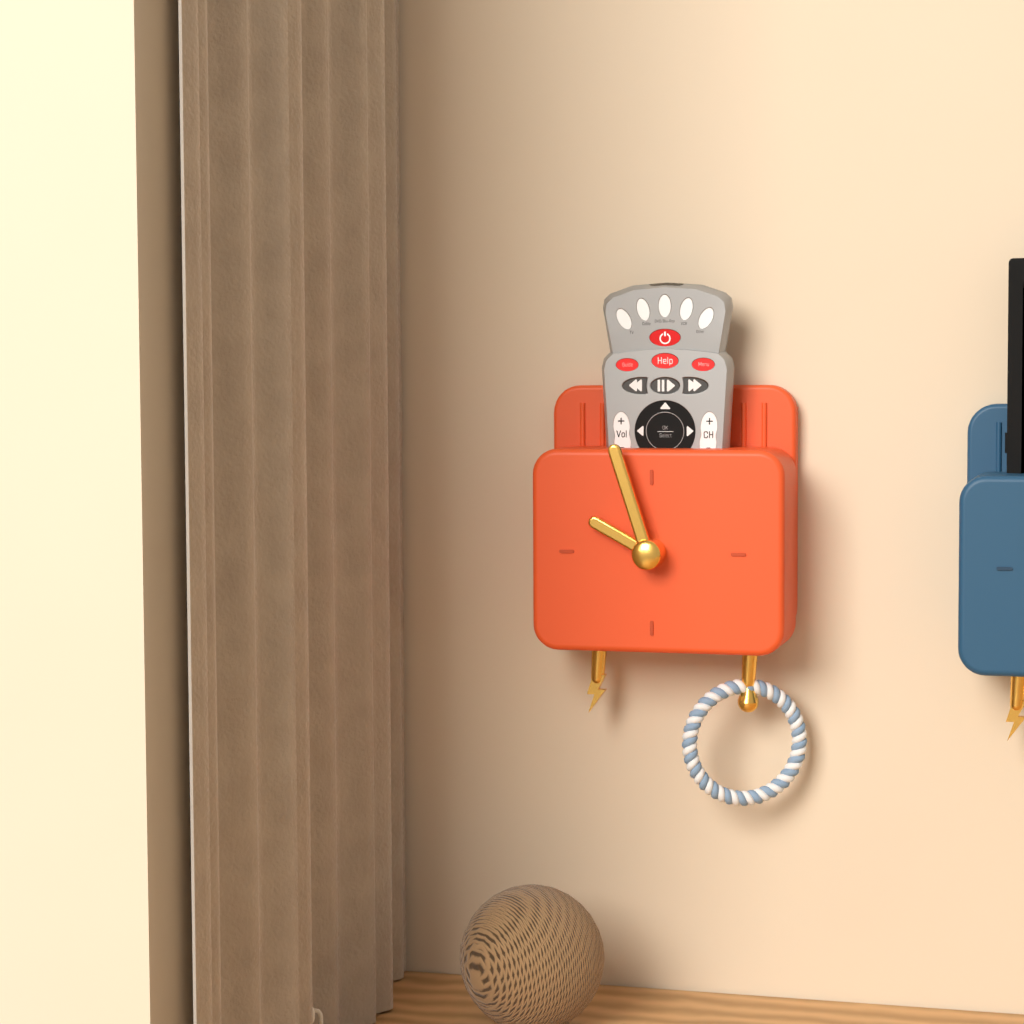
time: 9:57
